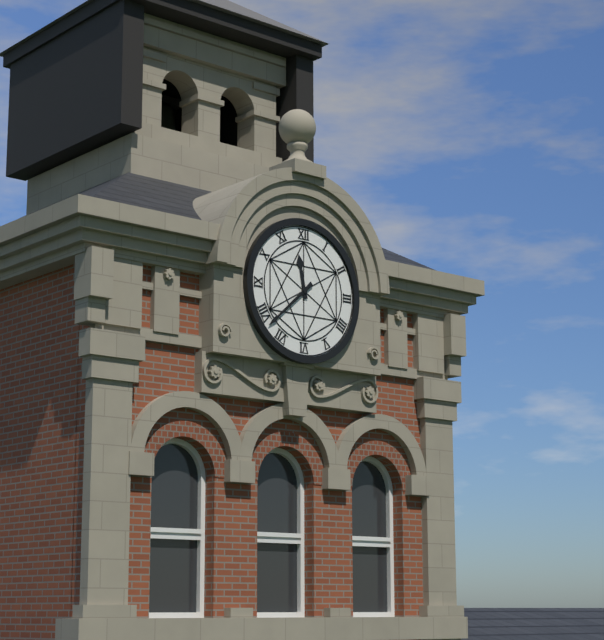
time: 11:38
